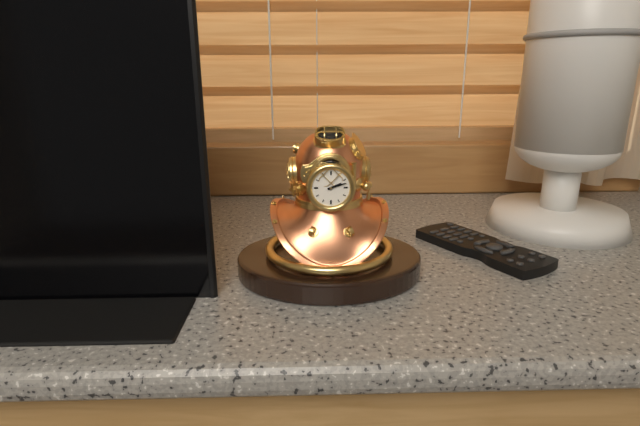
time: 2:12
